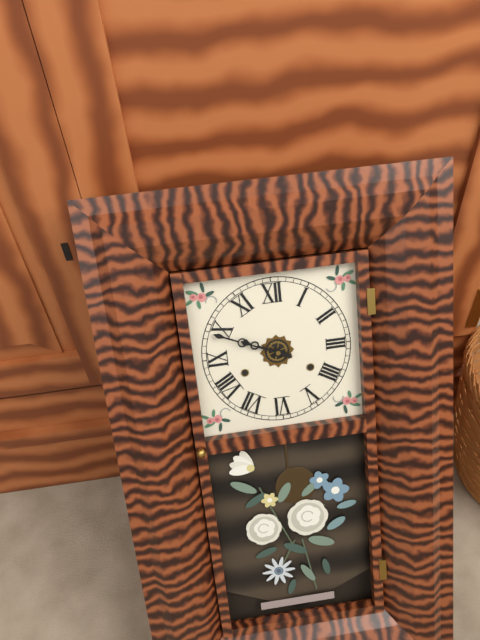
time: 9:49
